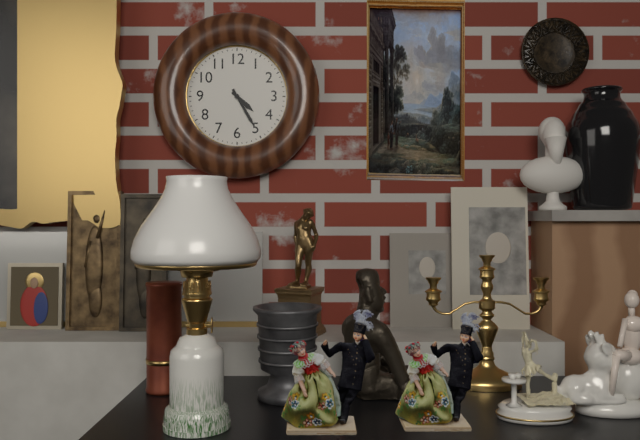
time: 4:25
